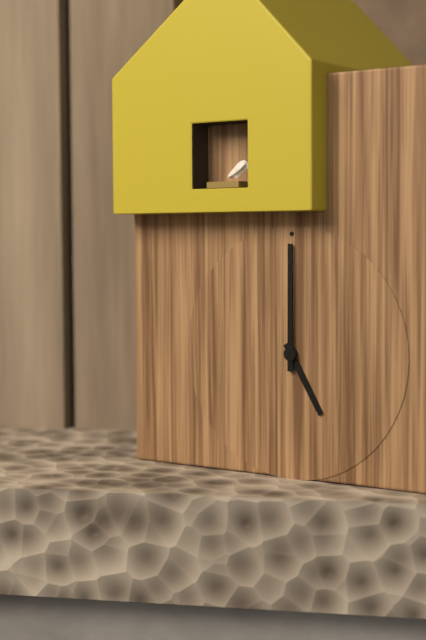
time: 5:00
